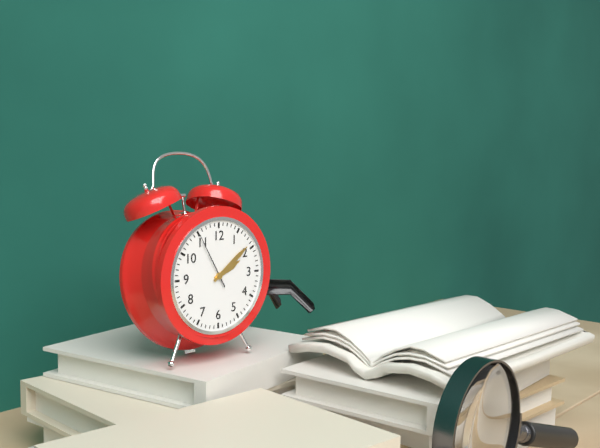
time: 2:09:55
